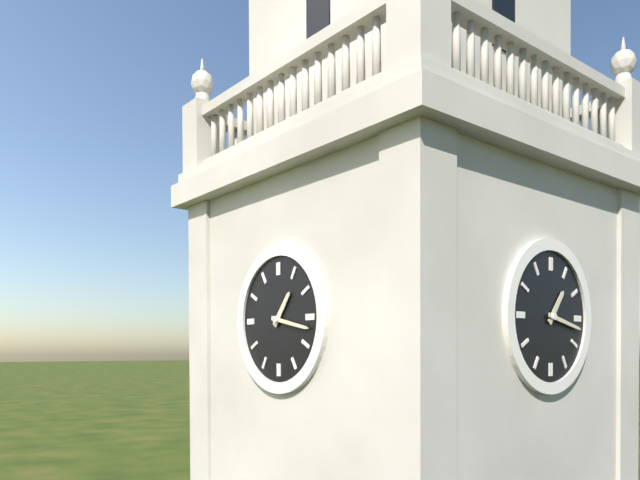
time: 1:17
